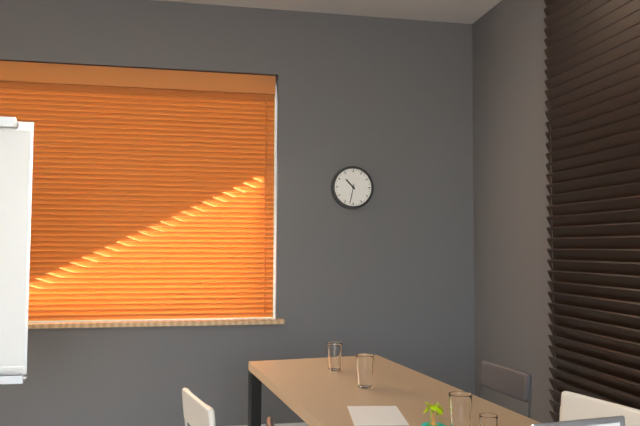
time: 10:32
